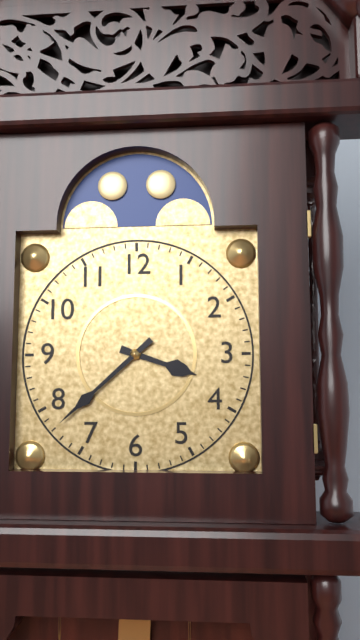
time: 3:38
